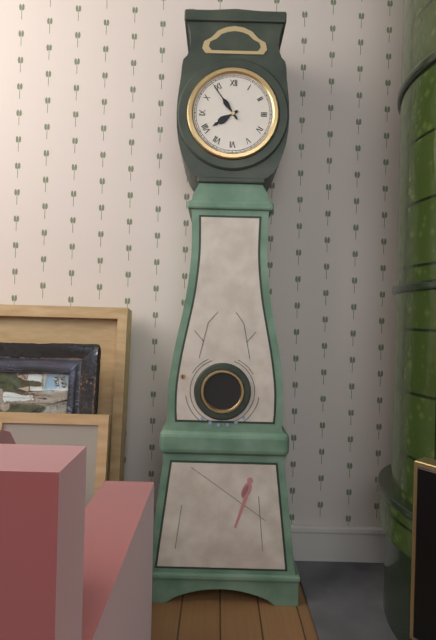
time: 7:54
